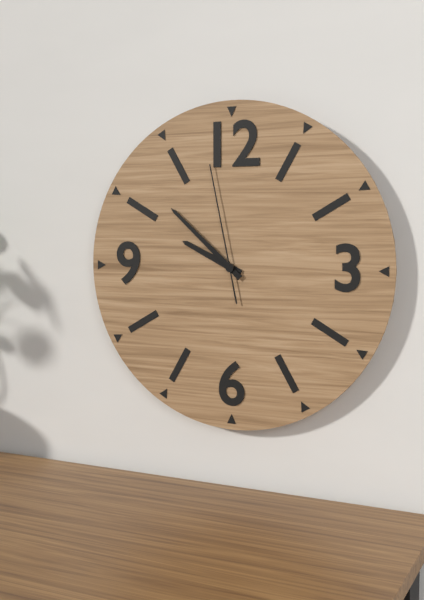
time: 9:52:58
